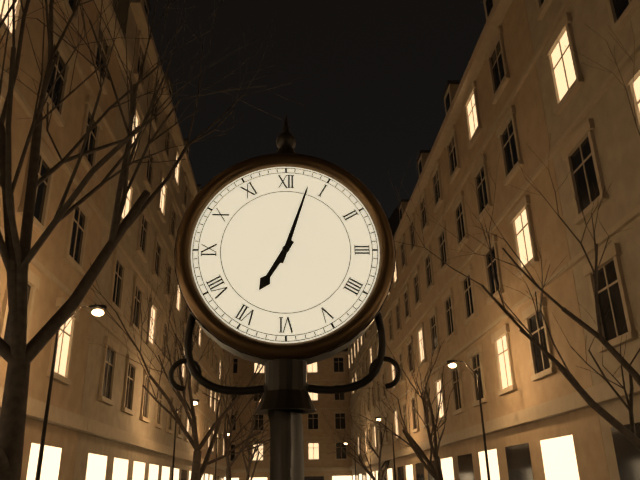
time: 7:03
